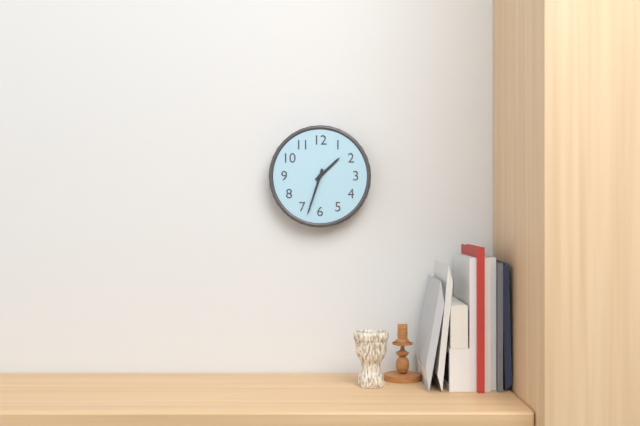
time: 1:33
